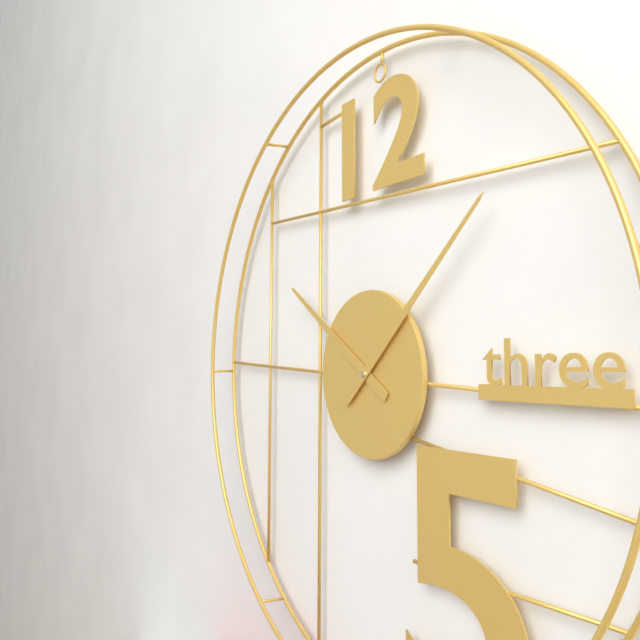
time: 10:08
